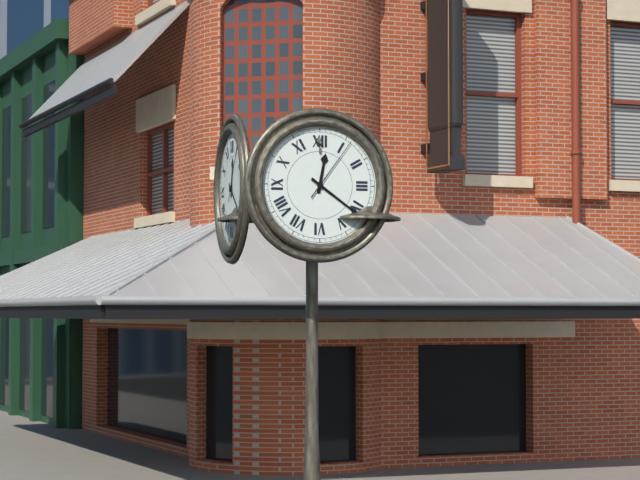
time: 12:21:06
